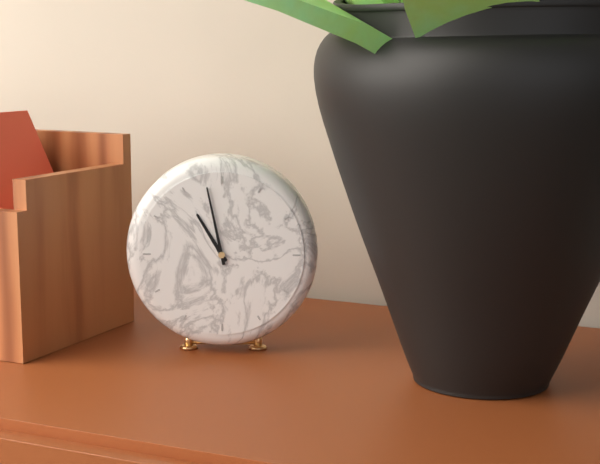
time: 10:58
